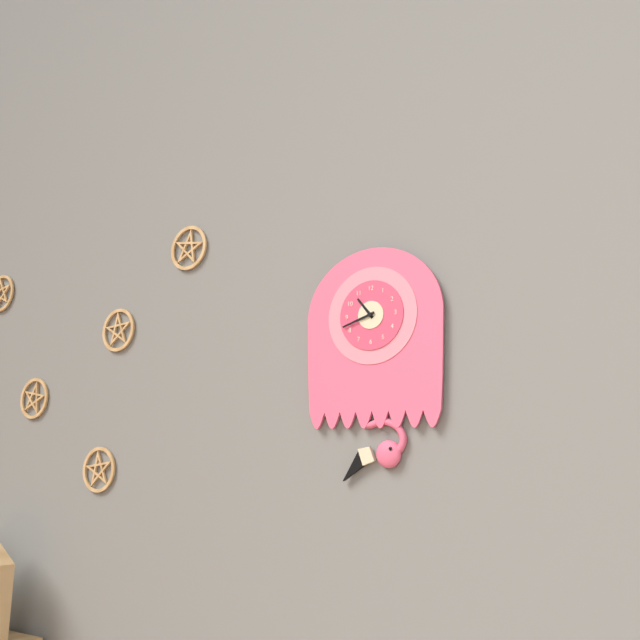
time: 10:42
